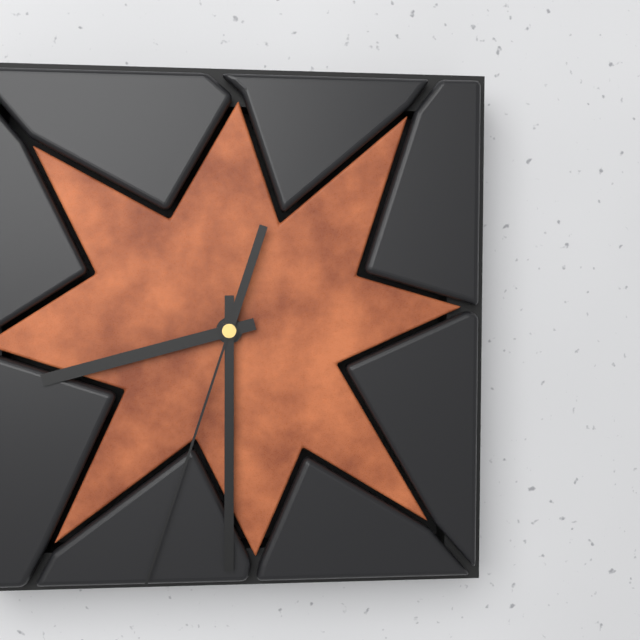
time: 8:30:33
